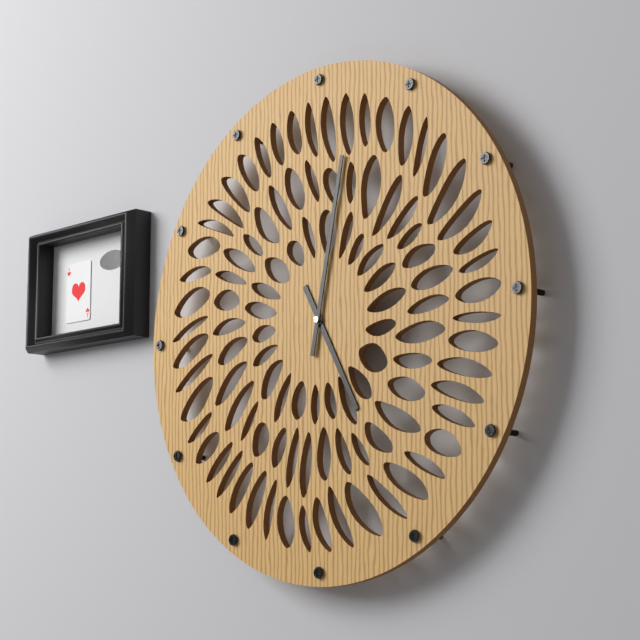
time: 5:02
